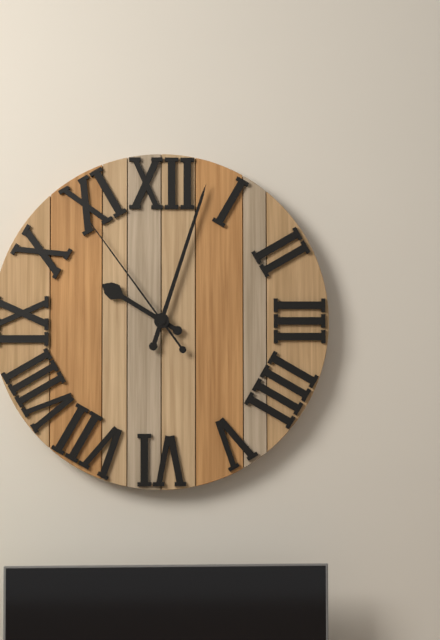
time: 10:03:54
